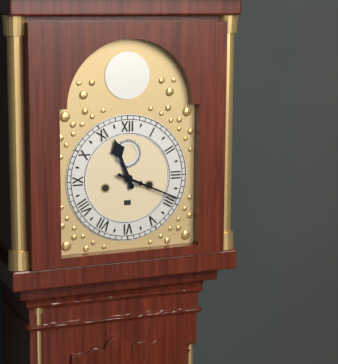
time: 11:19
